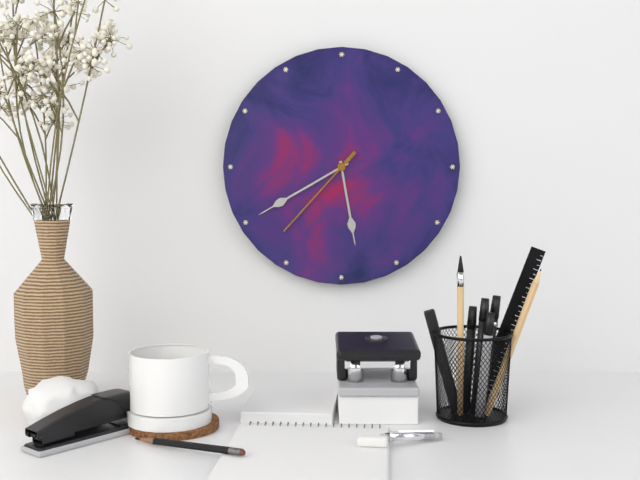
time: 5:40:37
